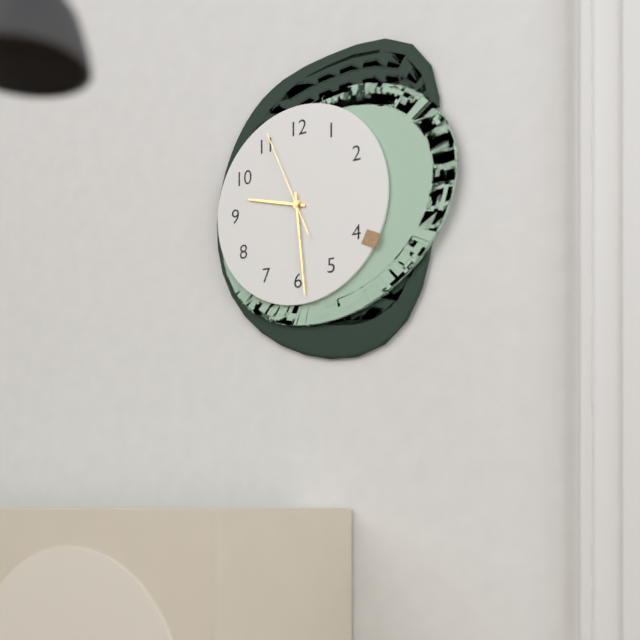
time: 9:29:56
